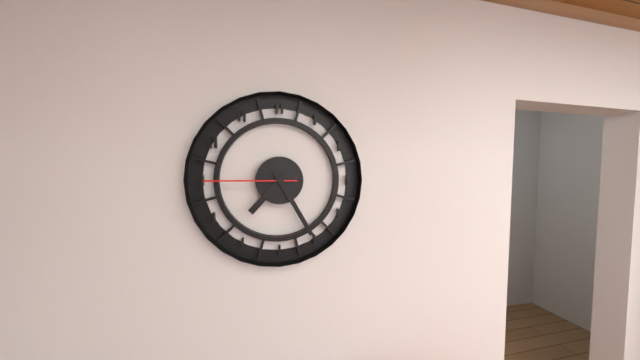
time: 7:25:45
